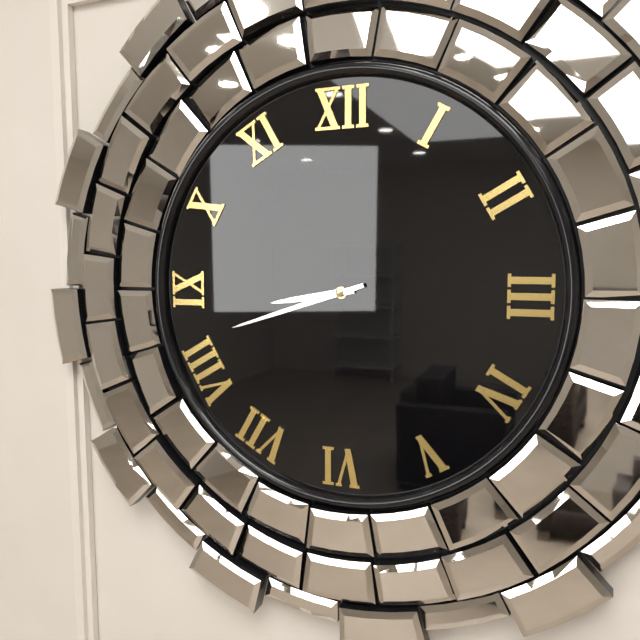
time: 8:42
